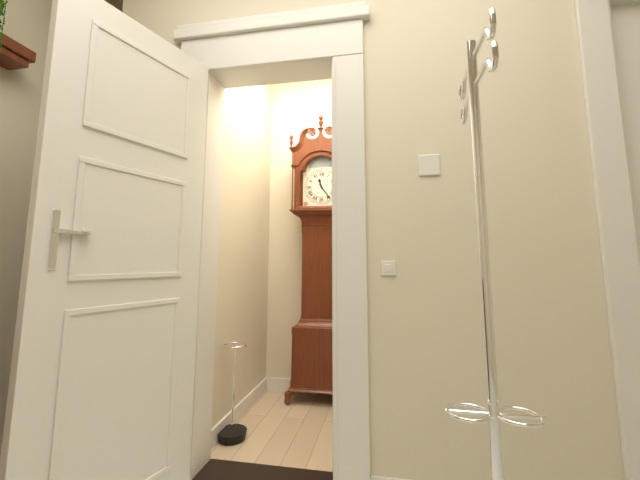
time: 11:24
